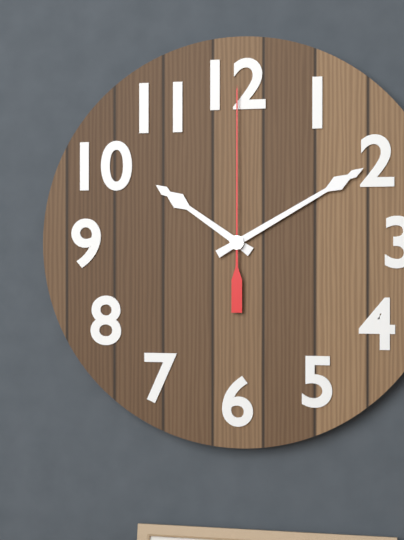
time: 10:10:00
